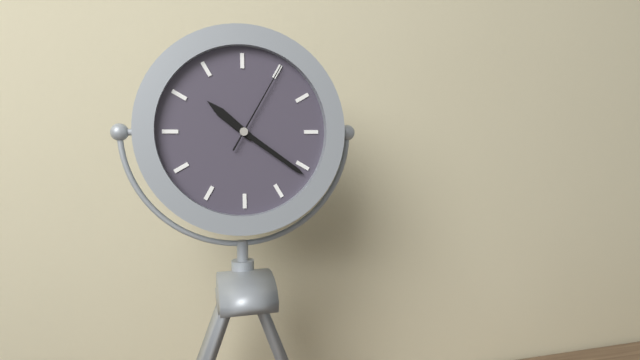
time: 10:21:05
